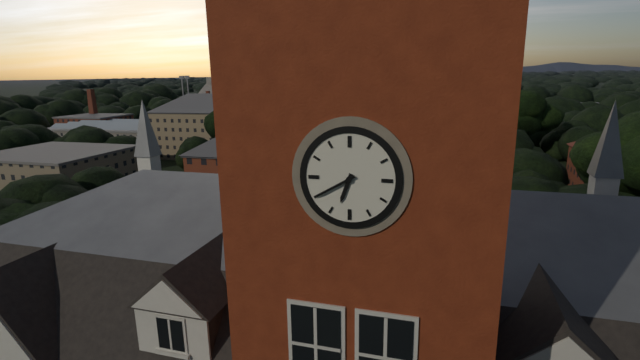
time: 6:40
